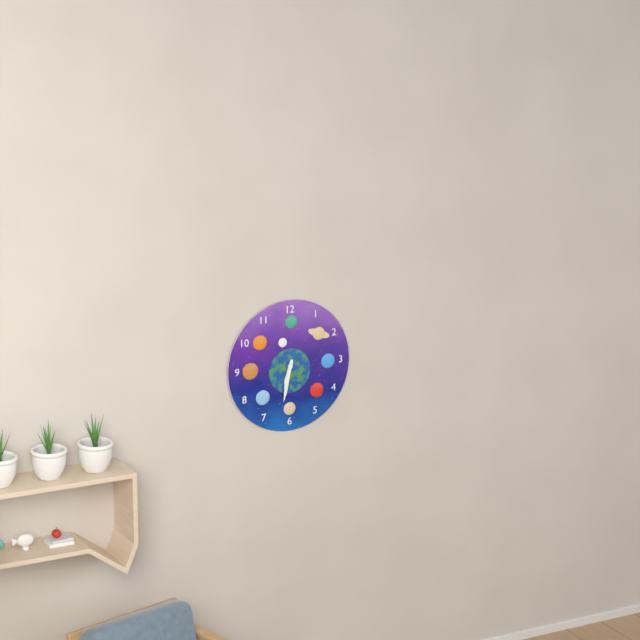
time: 6:32
